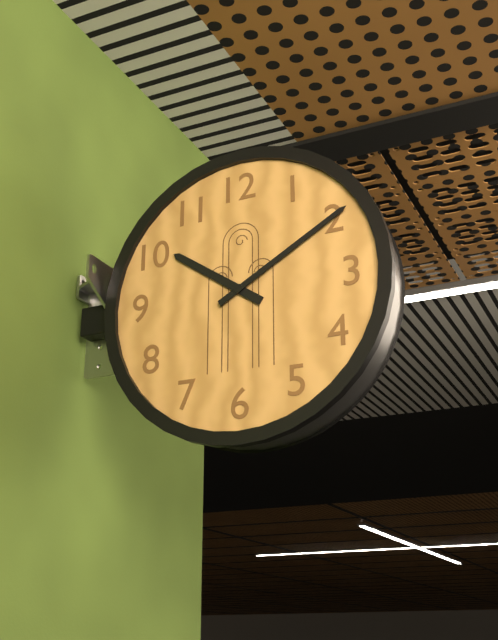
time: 10:10
